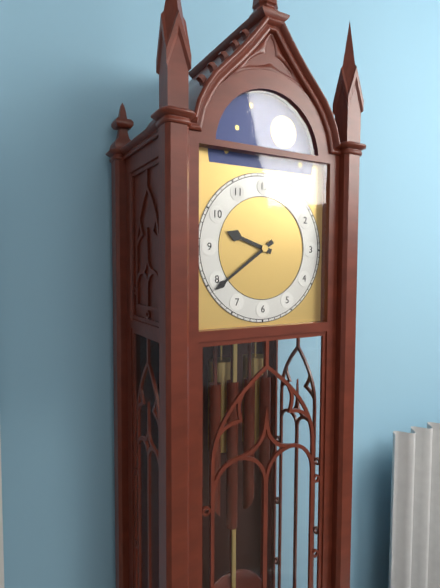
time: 9:39
